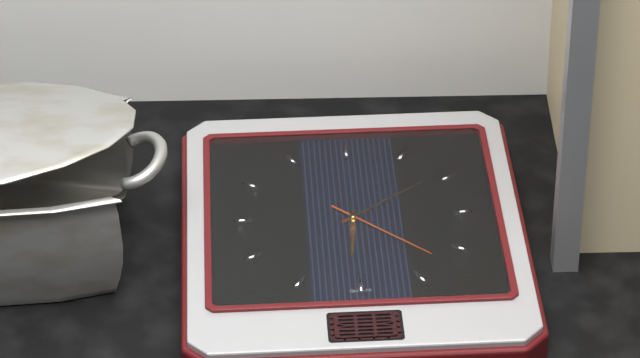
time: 6:09:22
